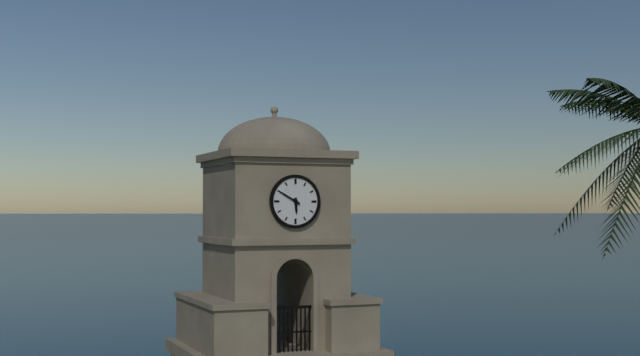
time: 5:50
